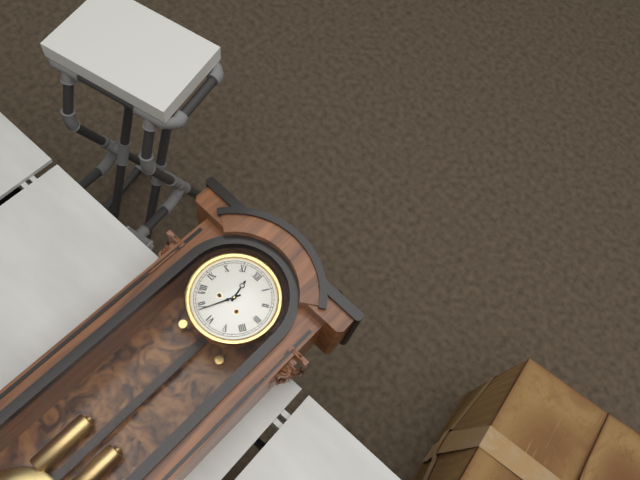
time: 11:34
